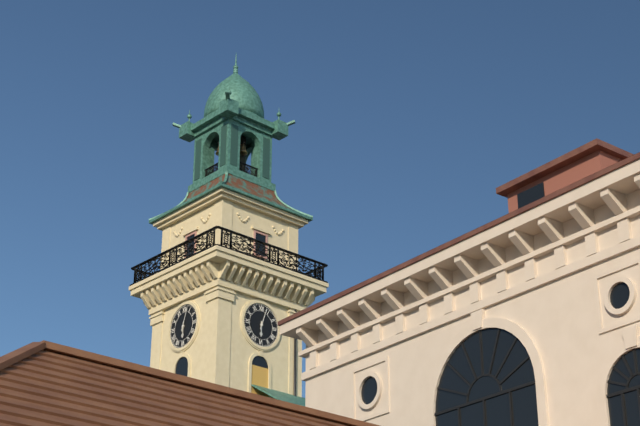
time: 6:03
